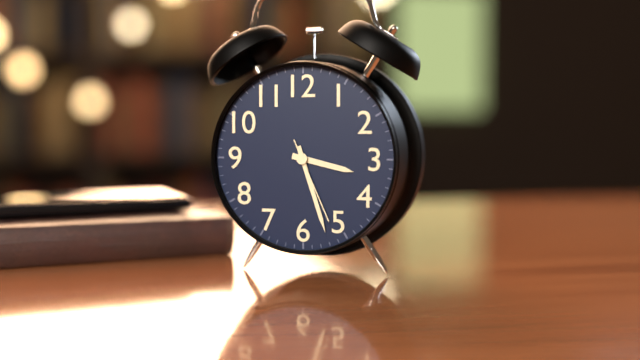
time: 3:27:26
